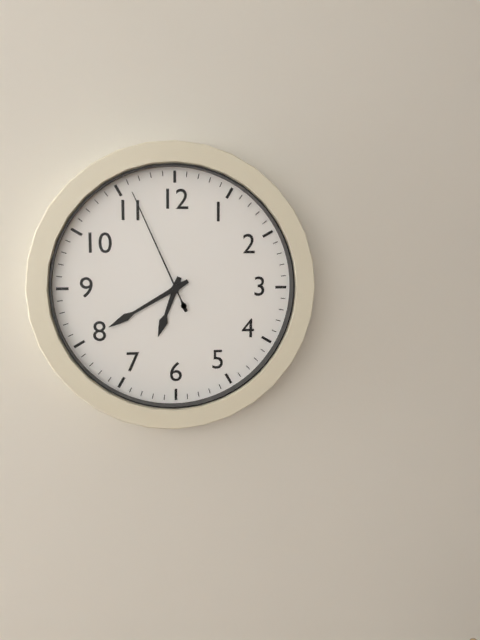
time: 6:40:56
